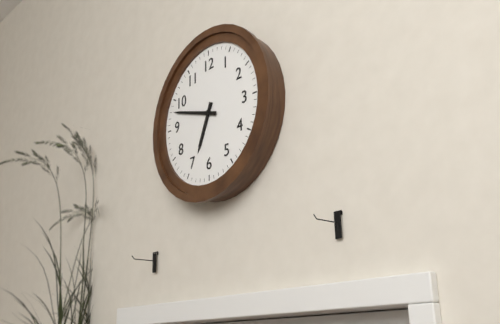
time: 6:48
